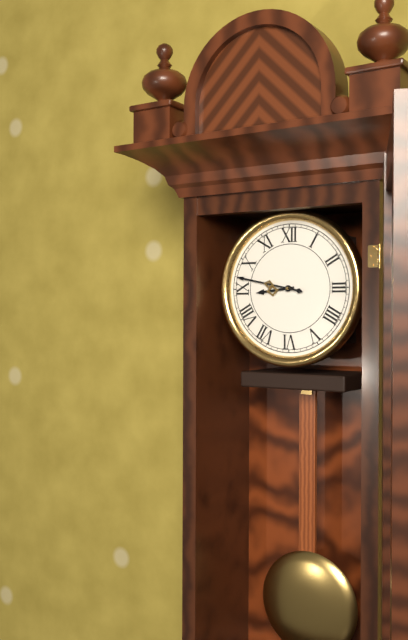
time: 8:47
